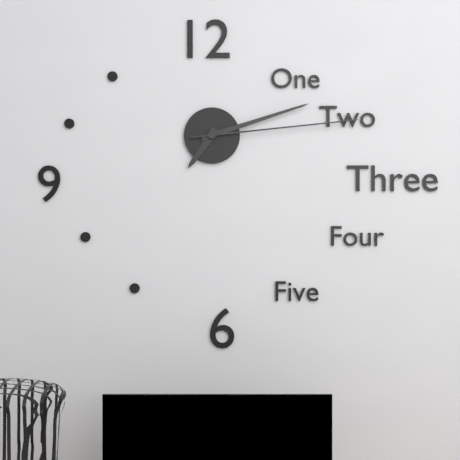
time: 7:12:14
